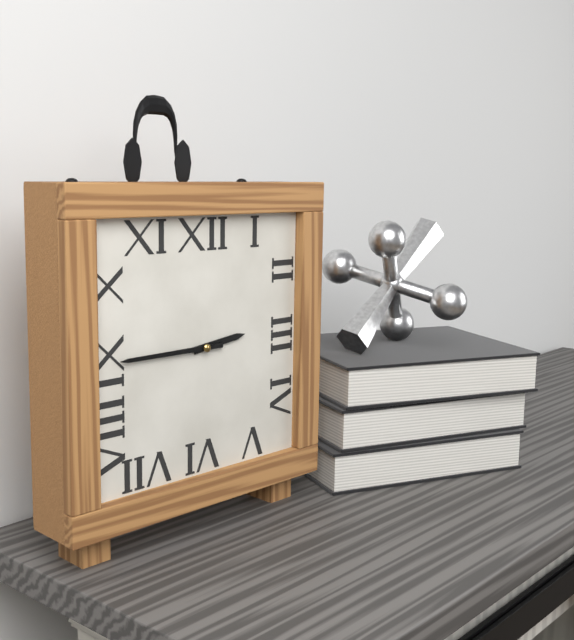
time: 2:45
